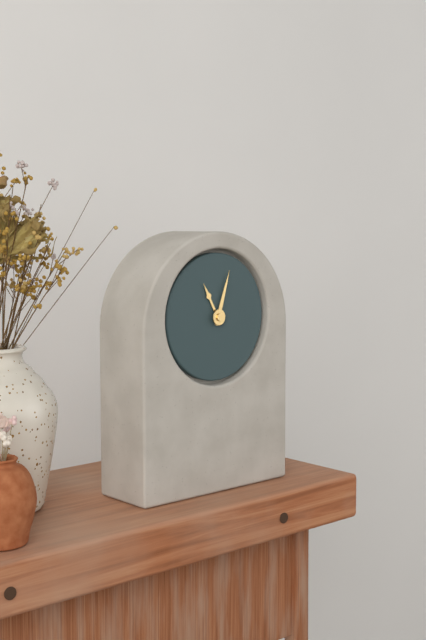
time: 11:03
